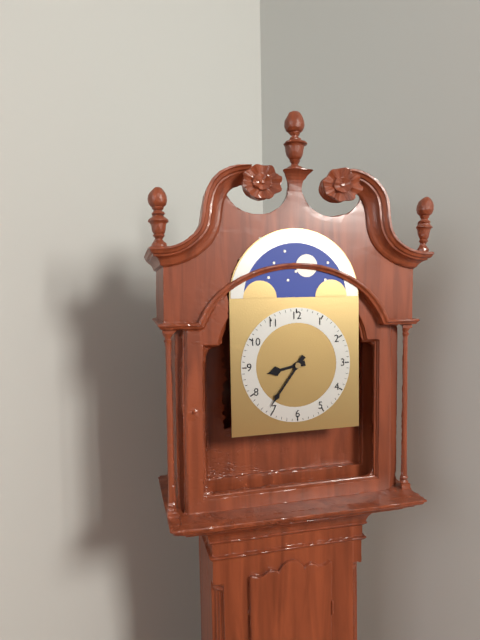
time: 8:36
